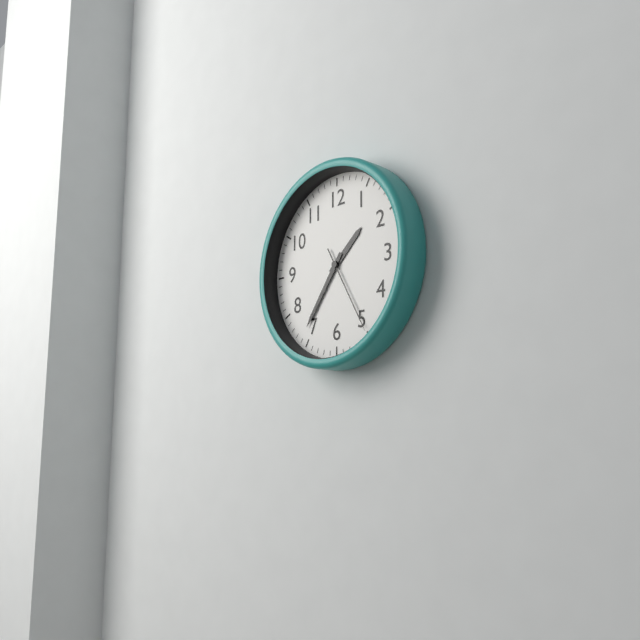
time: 1:36:25
